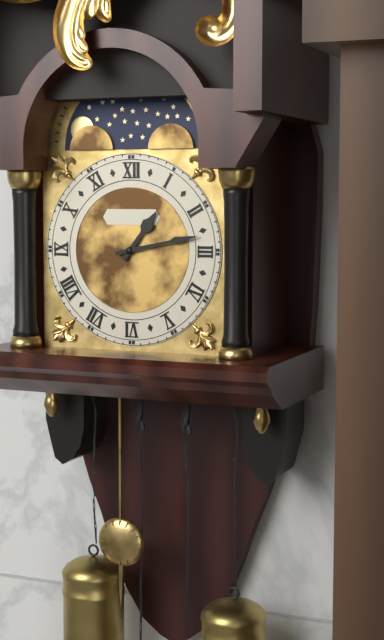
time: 1:13
